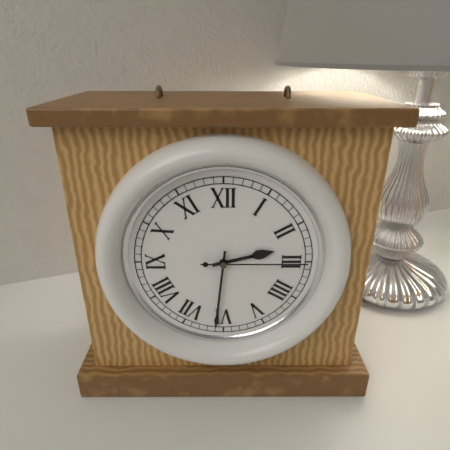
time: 2:31:15
